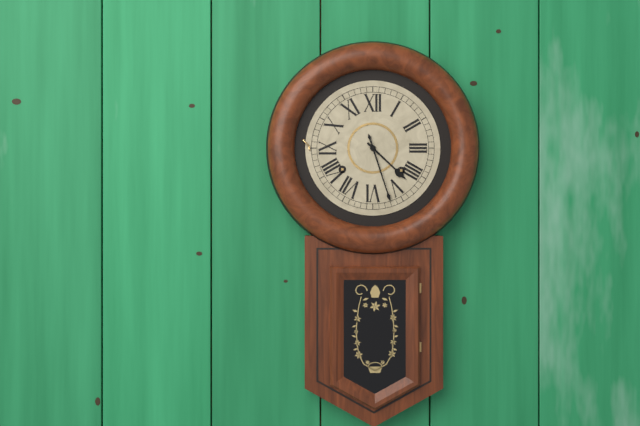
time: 4:27
